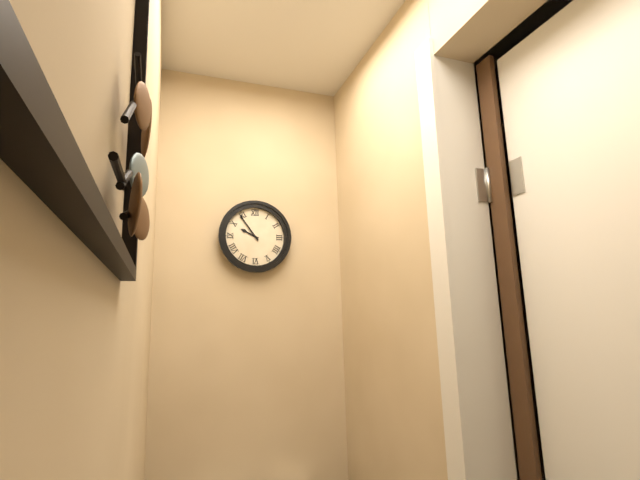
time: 9:54
